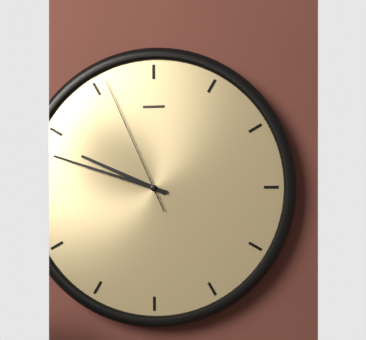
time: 9:48:56
